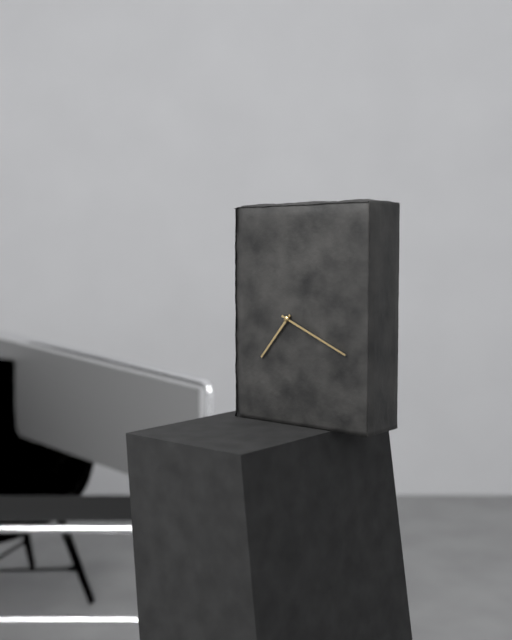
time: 7:19
